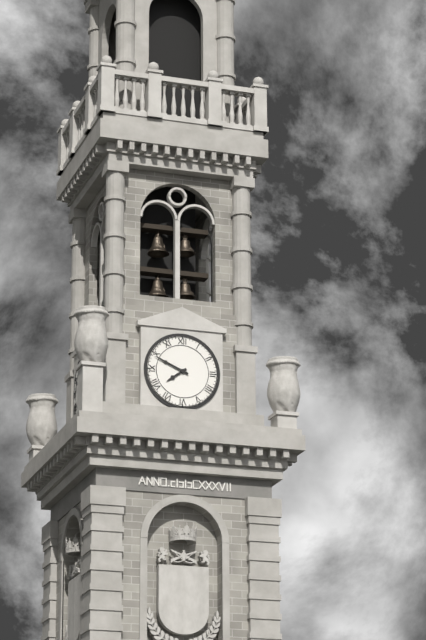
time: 7:49
